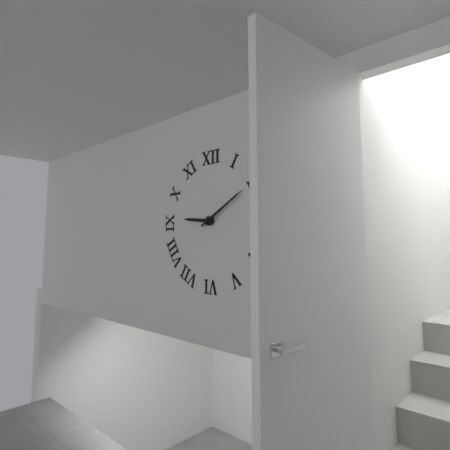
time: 9:10
